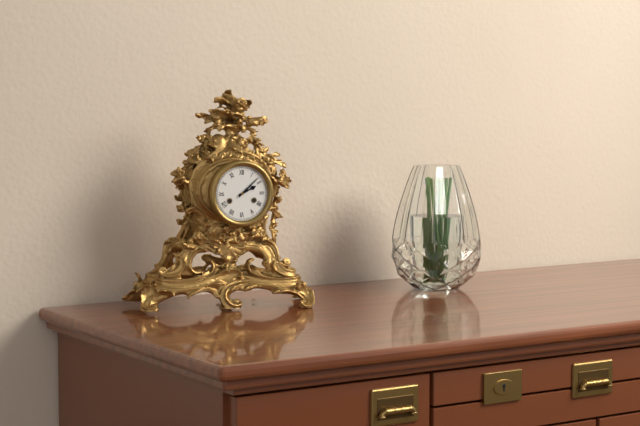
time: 2:08
